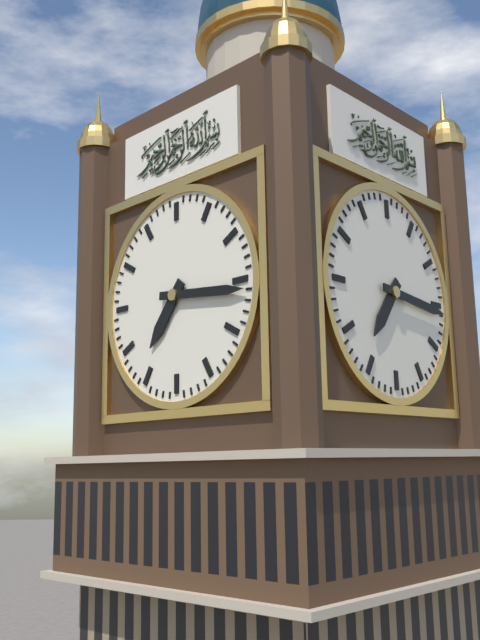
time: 7:16
